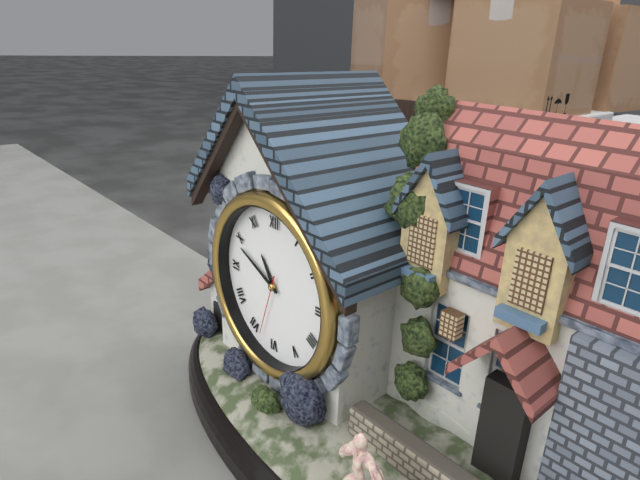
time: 10:49:33
